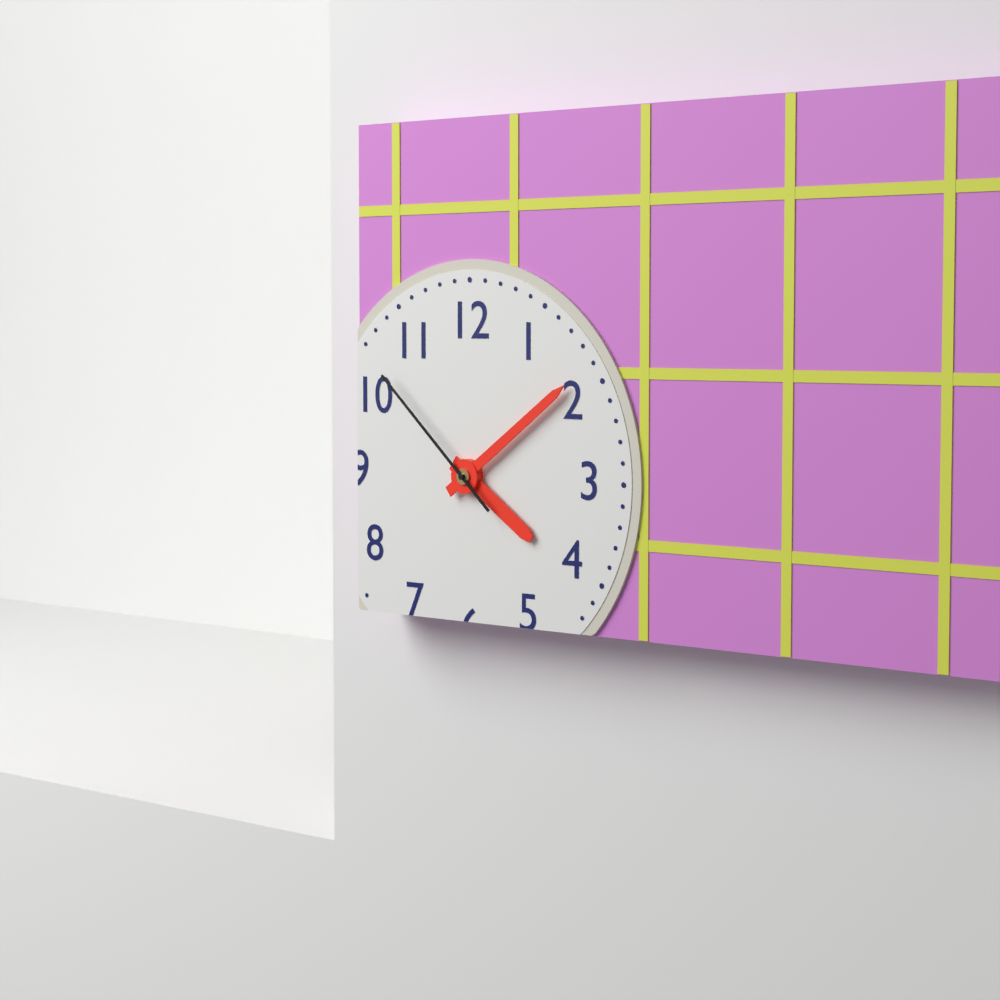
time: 4:09:52
